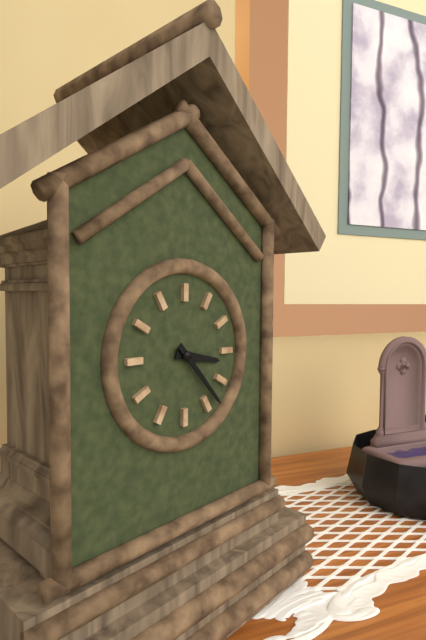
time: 3:23
